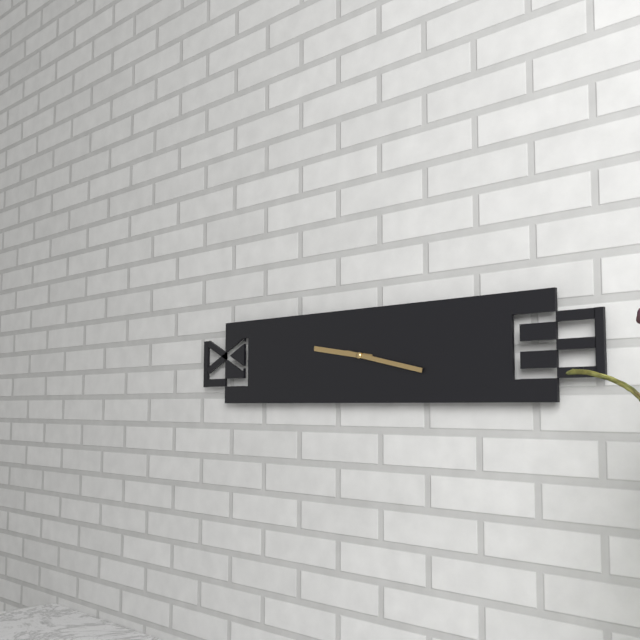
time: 9:17
